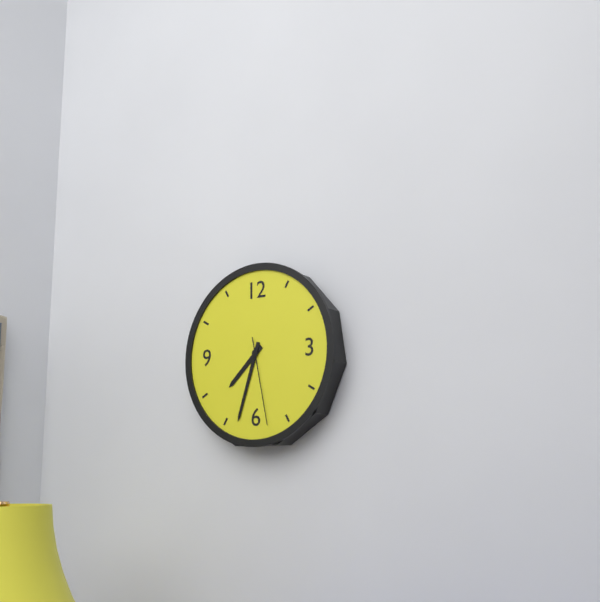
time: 7:33:28
